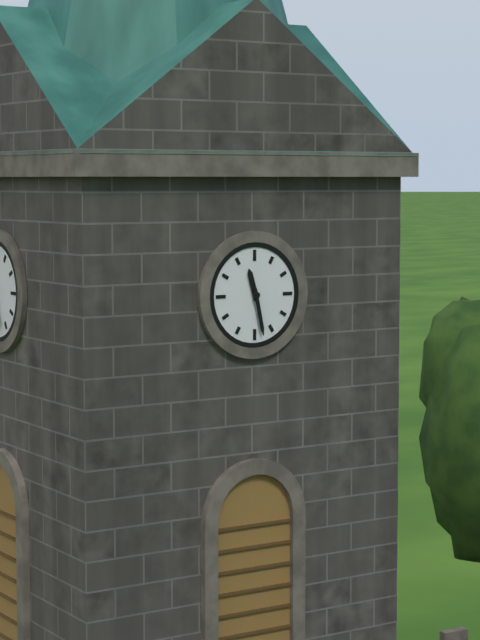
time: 11:28
